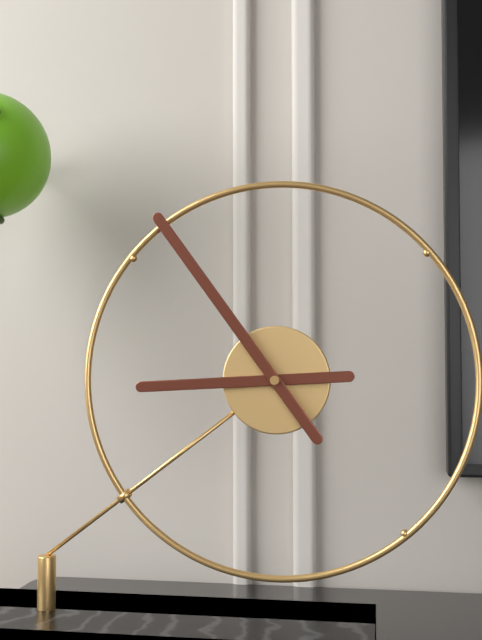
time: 8:54
